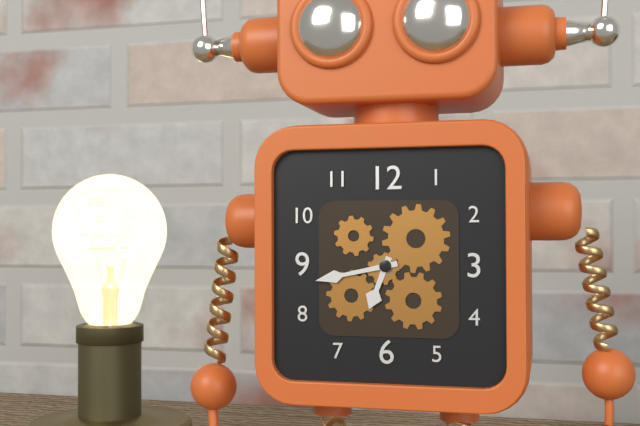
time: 6:43
